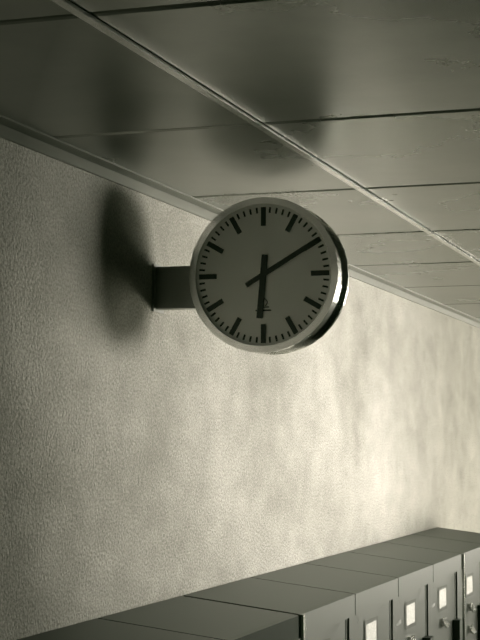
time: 6:10
